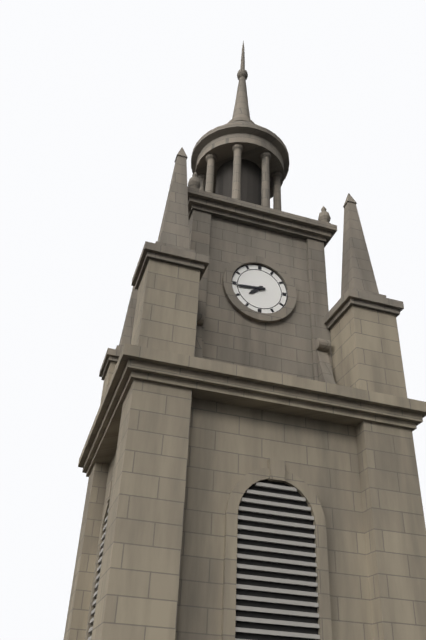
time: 7:44
